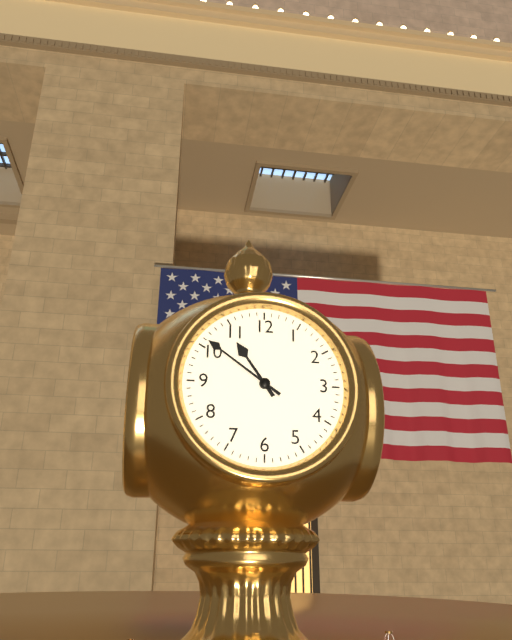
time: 10:51
